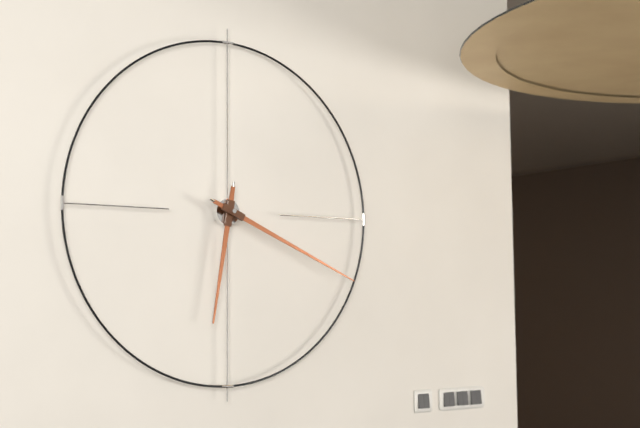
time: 6:19
